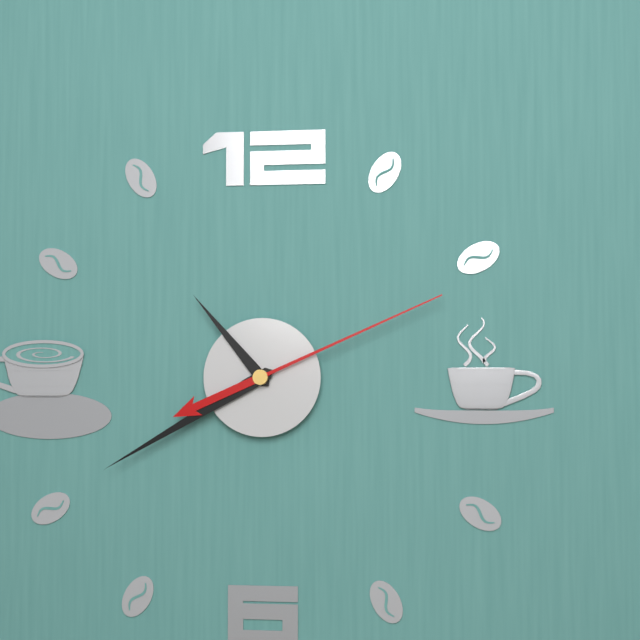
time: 10:40:11
